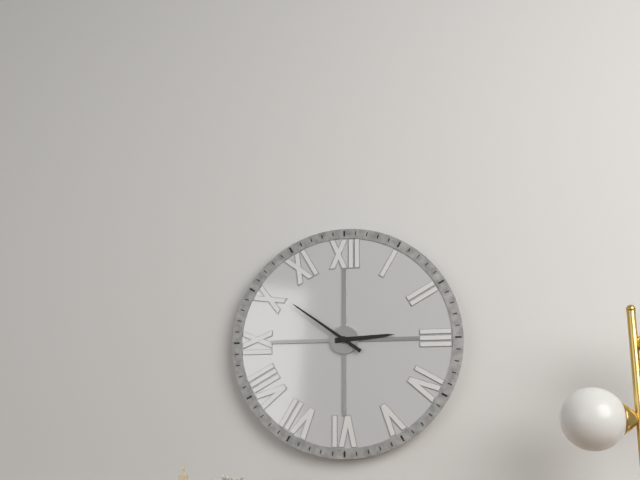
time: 2:51
